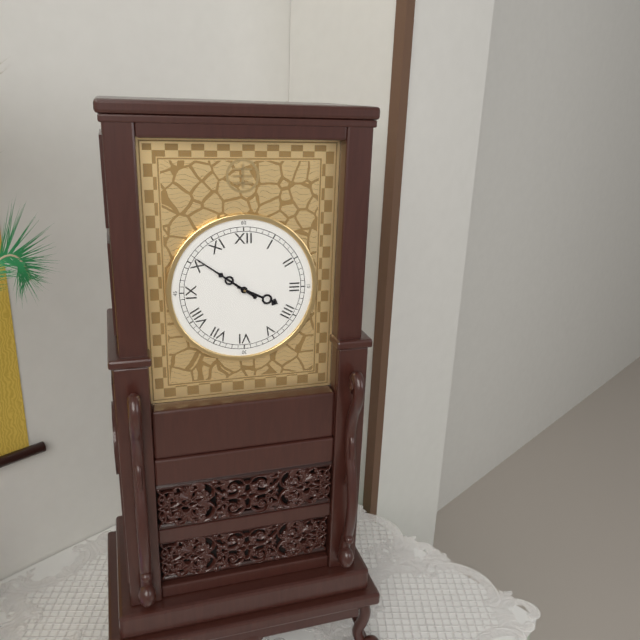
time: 3:51
